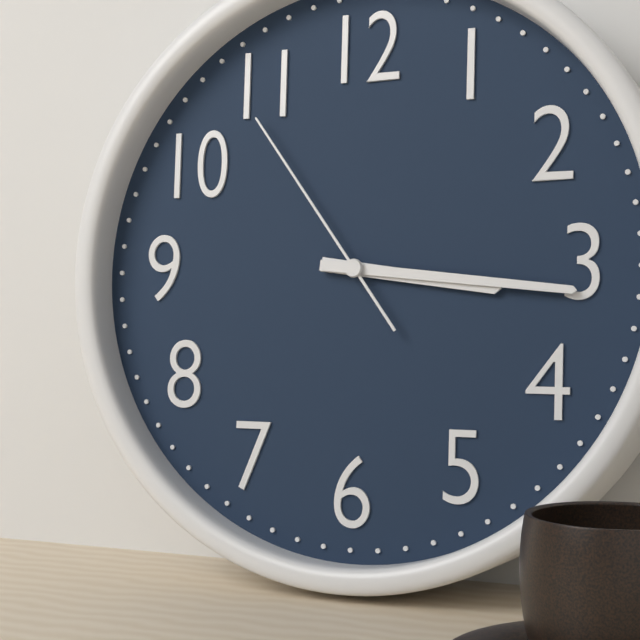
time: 3:16:54
